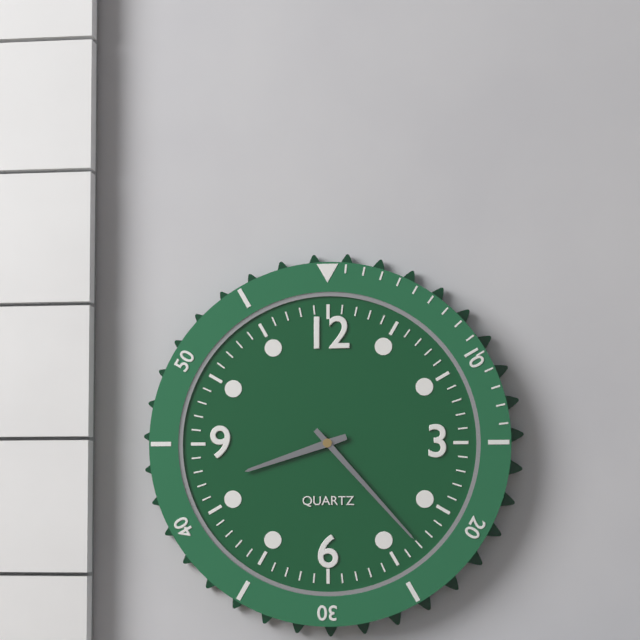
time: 8:23
